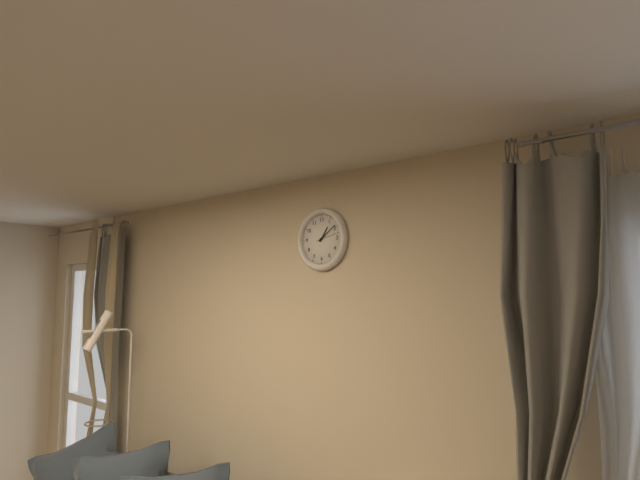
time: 1:09
